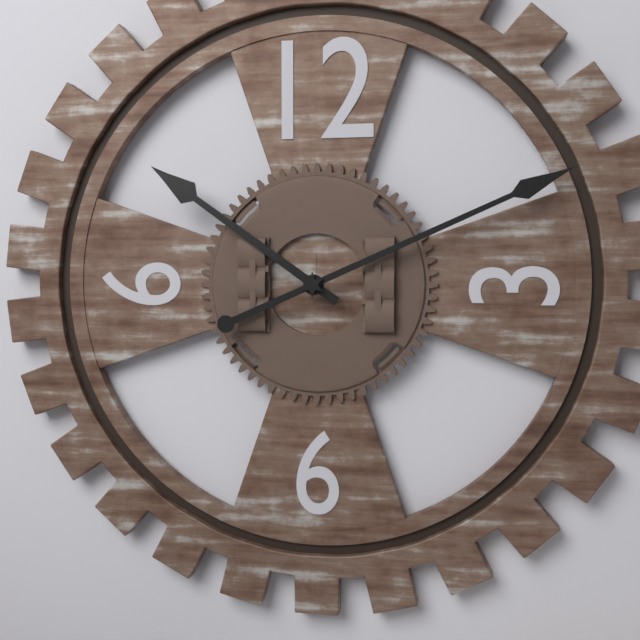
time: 10:11
